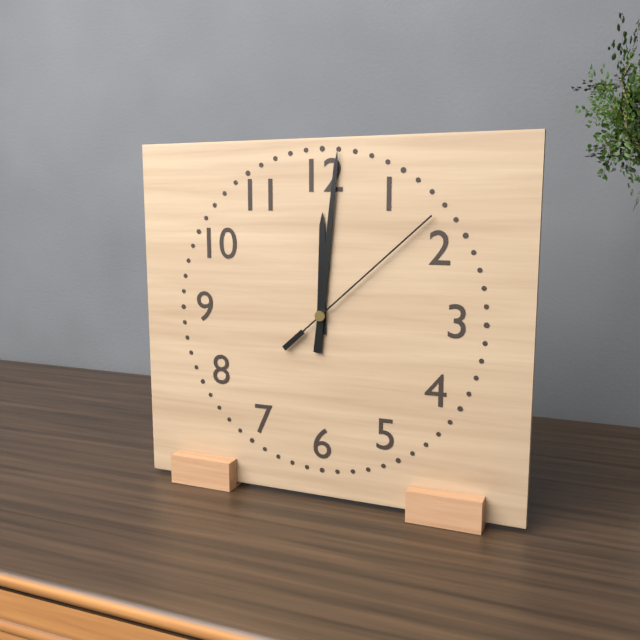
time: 12:01:08
